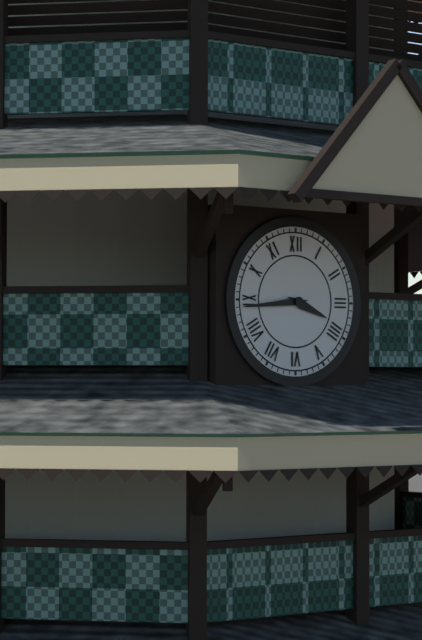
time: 3:44
